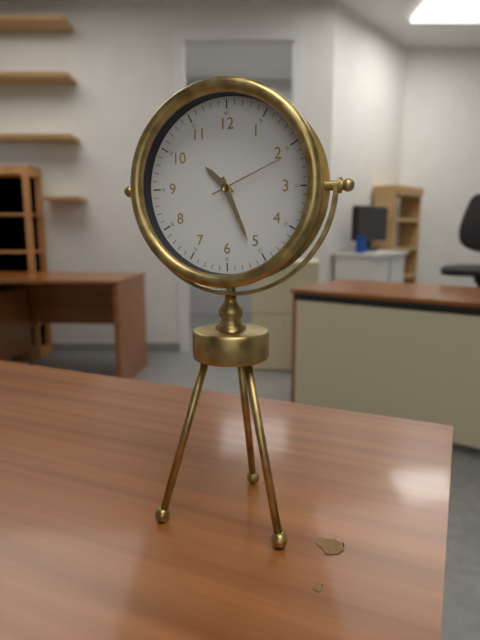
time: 10:26:11
